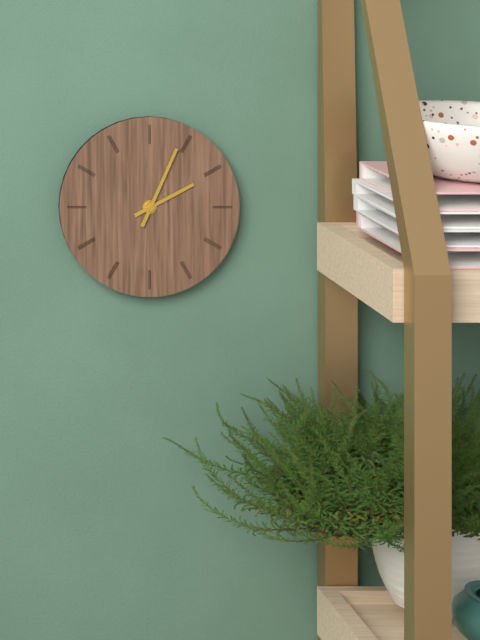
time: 2:04
